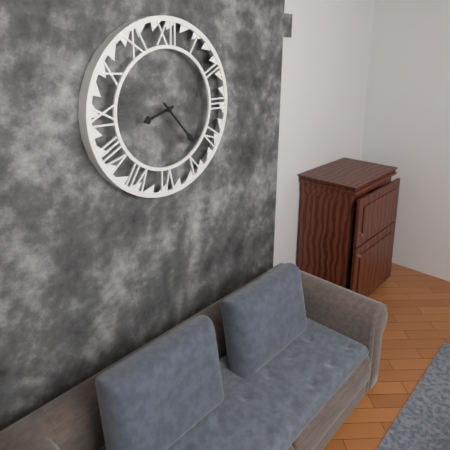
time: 8:23
